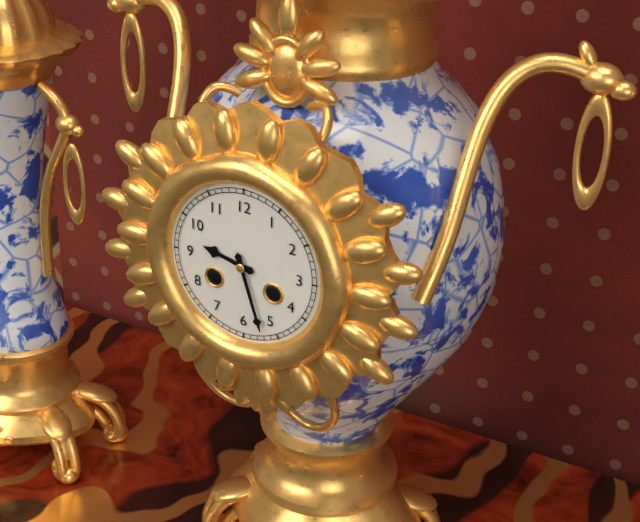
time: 9:27
